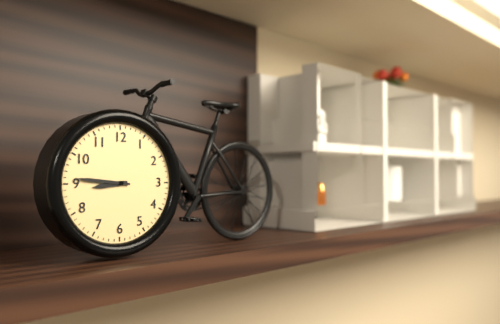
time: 8:46
